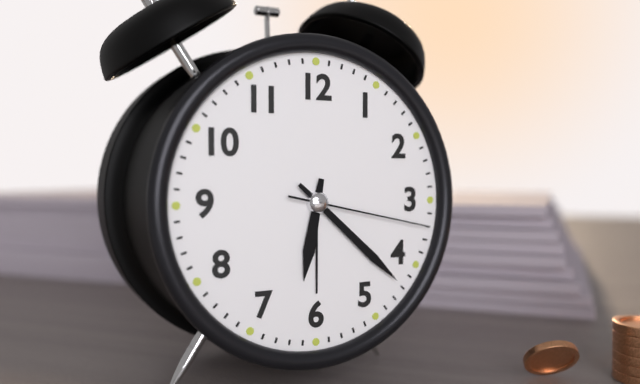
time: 6:22:17
